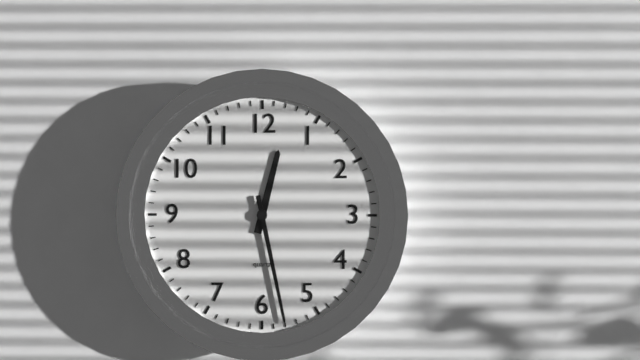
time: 12:28
